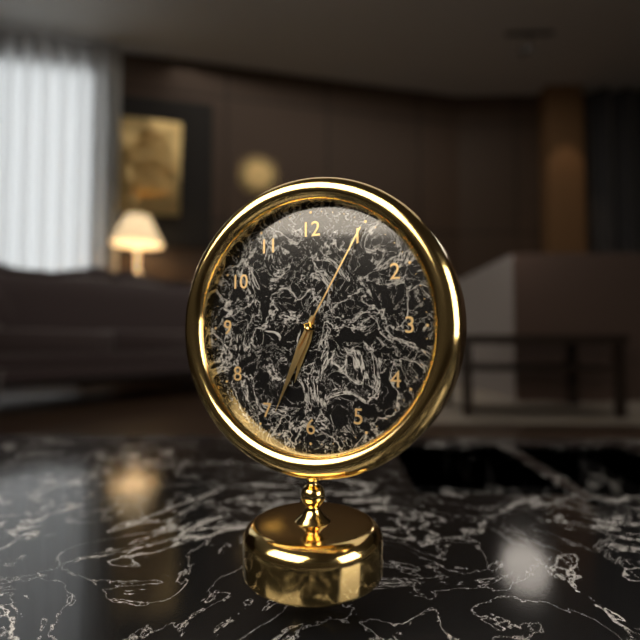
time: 6:34:05
